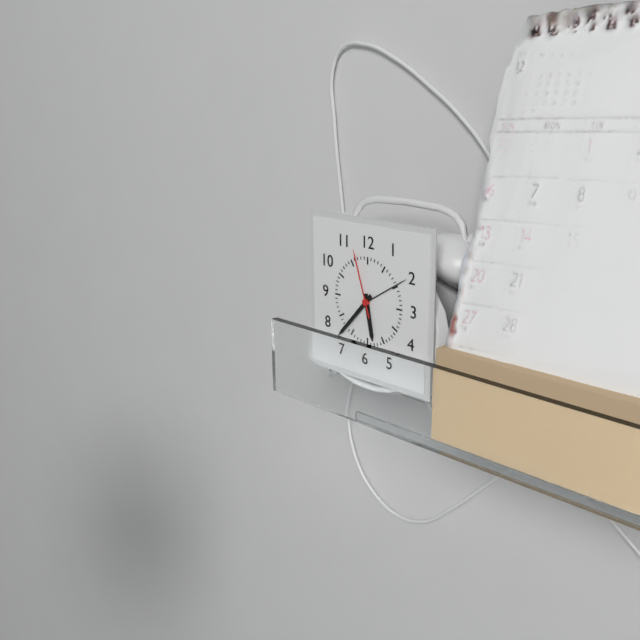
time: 5:37:57
